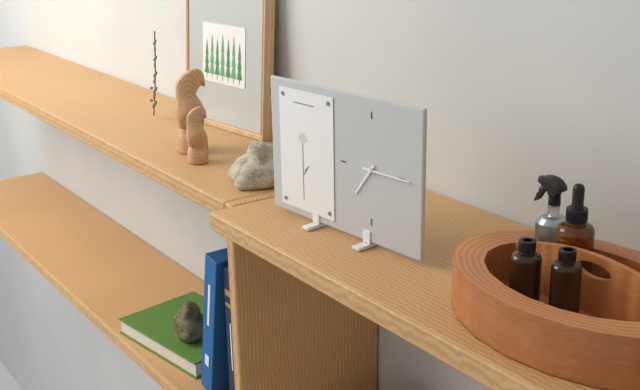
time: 7:15
